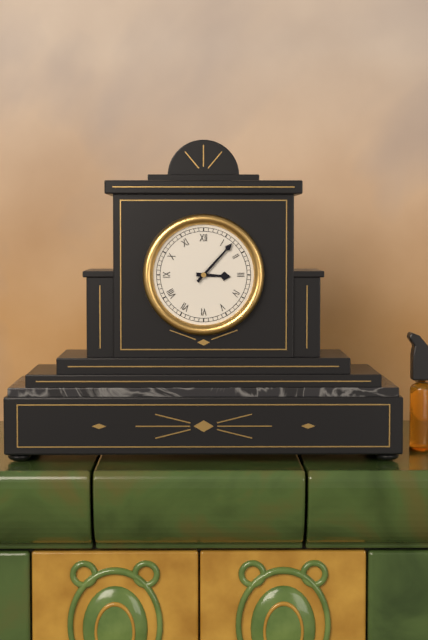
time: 3:07
